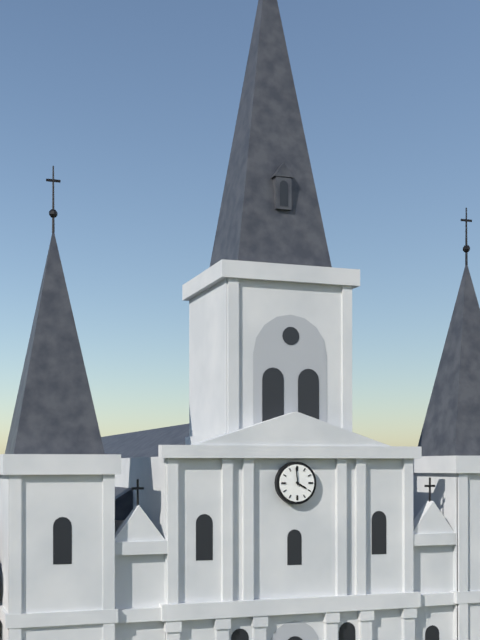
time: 3:59
